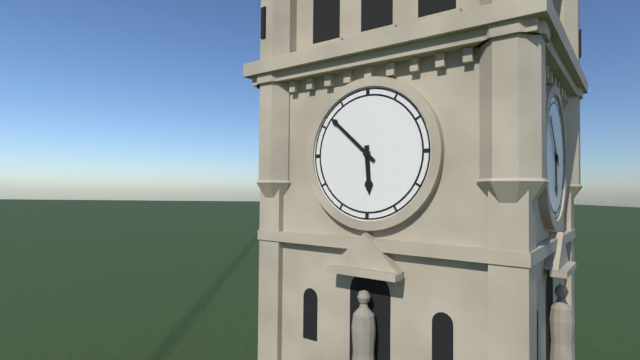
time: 5:52
